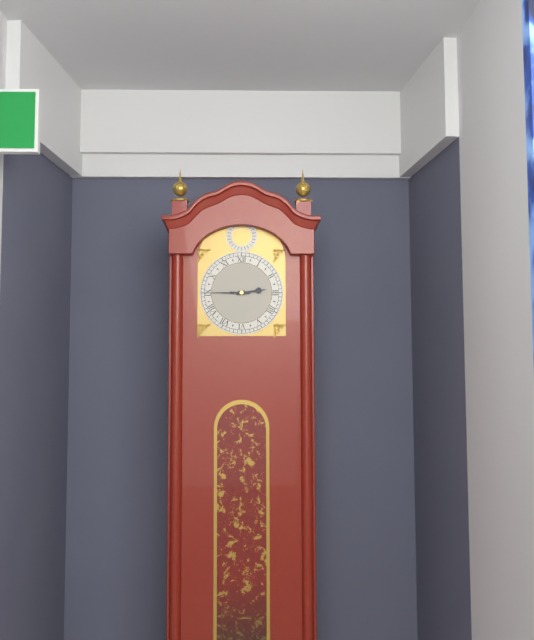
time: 2:45
